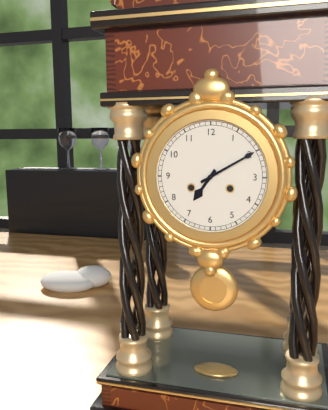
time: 7:10
